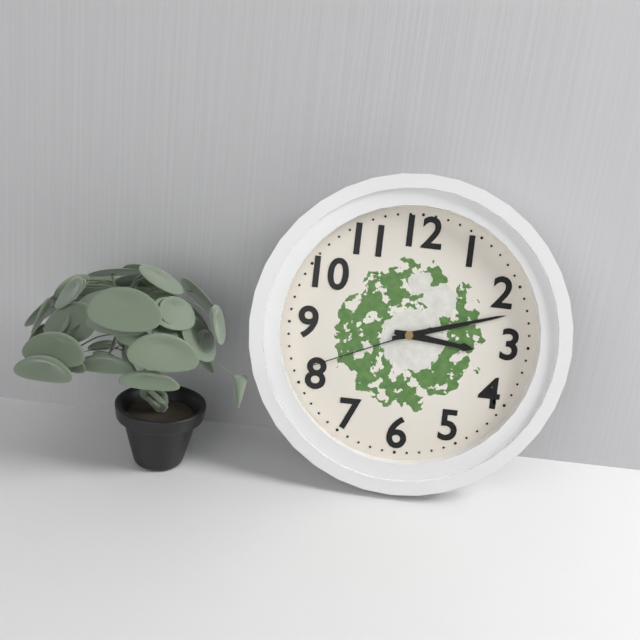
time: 3:12:41
